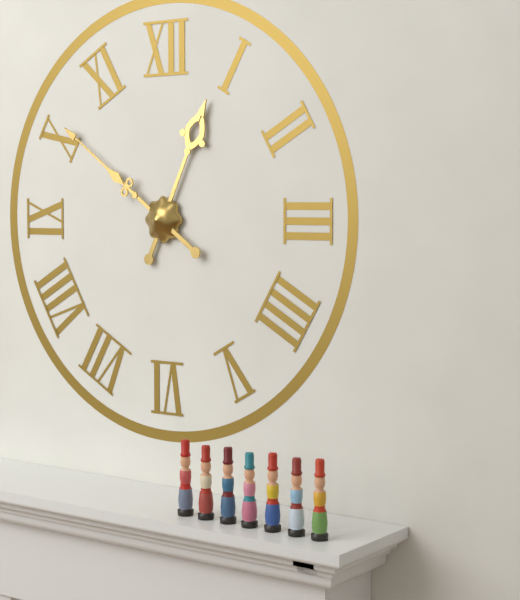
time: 12:51
